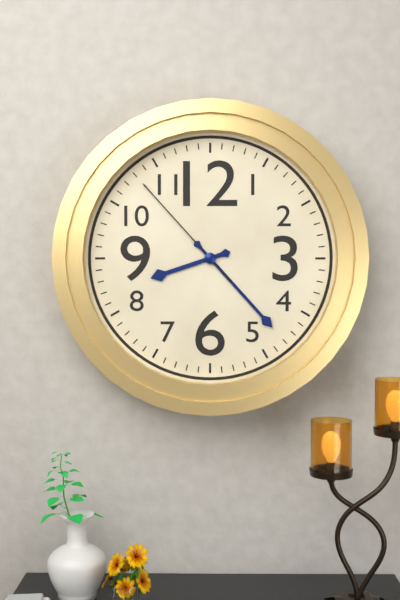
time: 8:23:53
